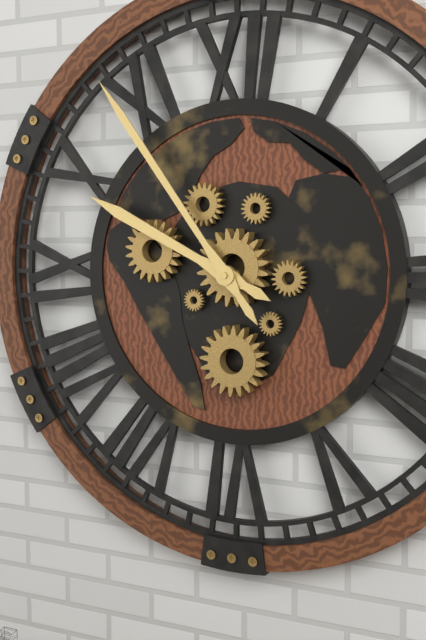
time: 9:54
